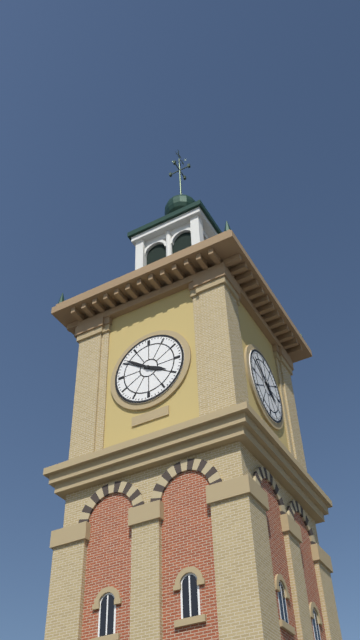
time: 3:51
